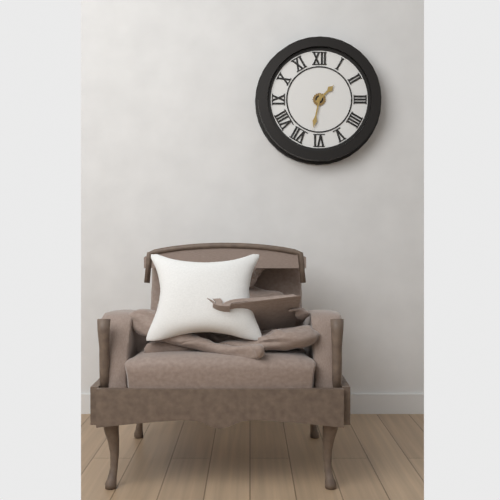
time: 1:32
